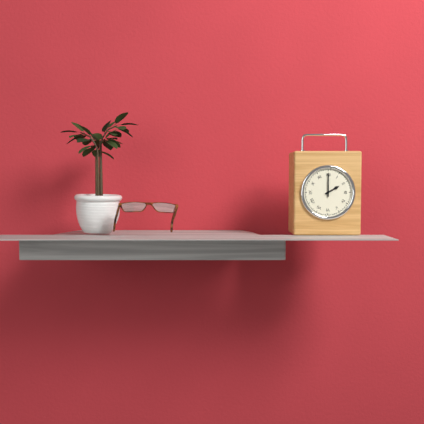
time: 2:00
